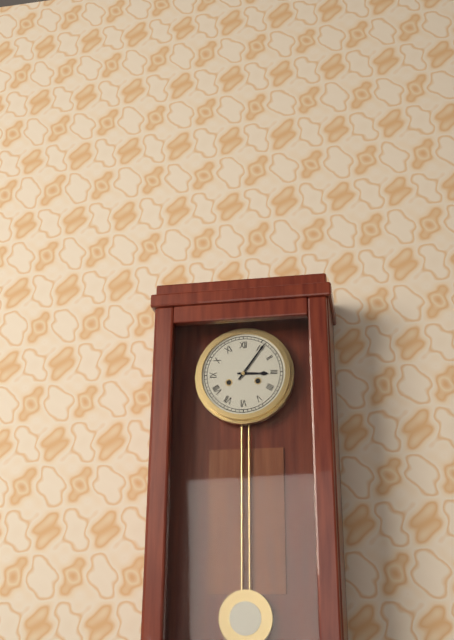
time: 3:06
